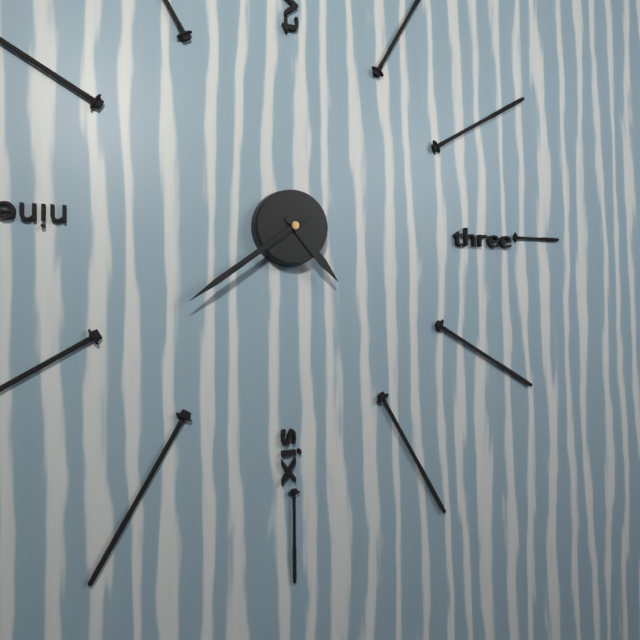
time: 4:39:39
